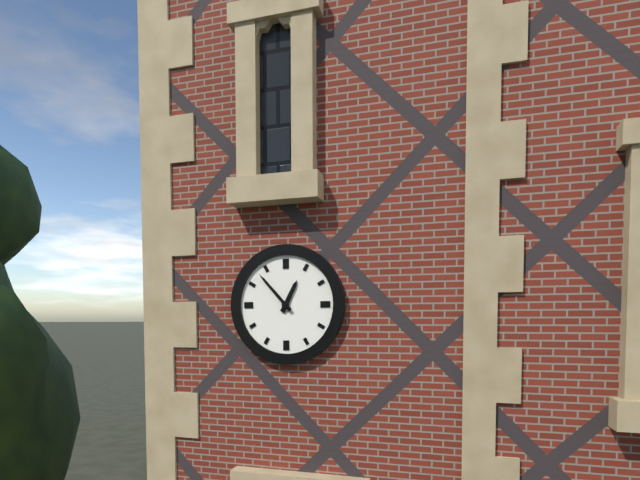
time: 12:53
